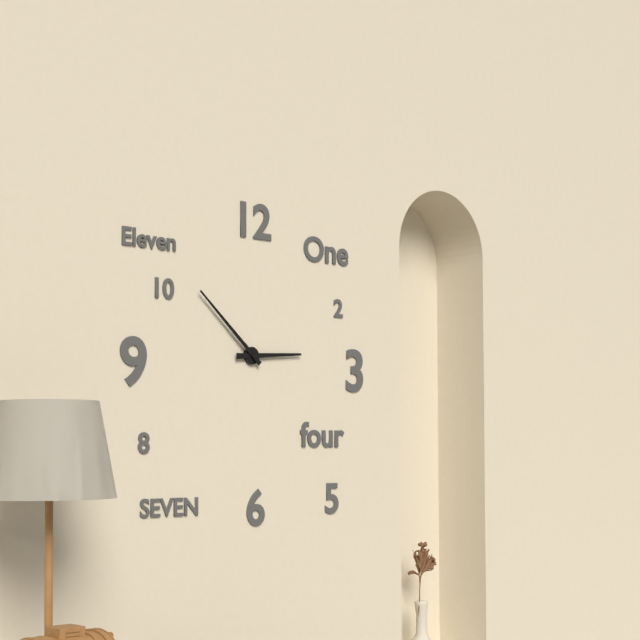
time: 2:52
